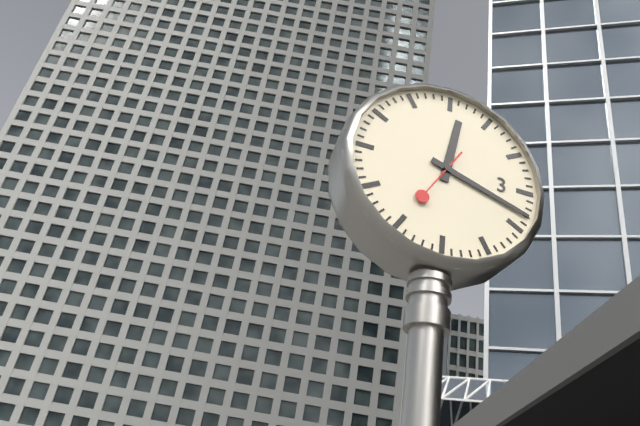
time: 12:18:35
